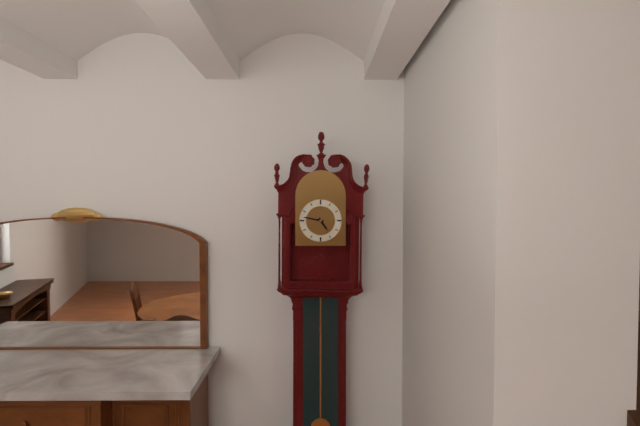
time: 4:47
